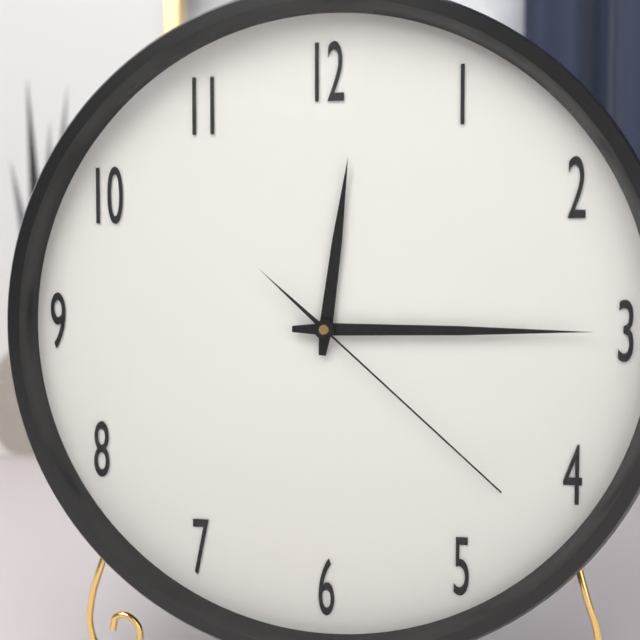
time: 12:15:22
